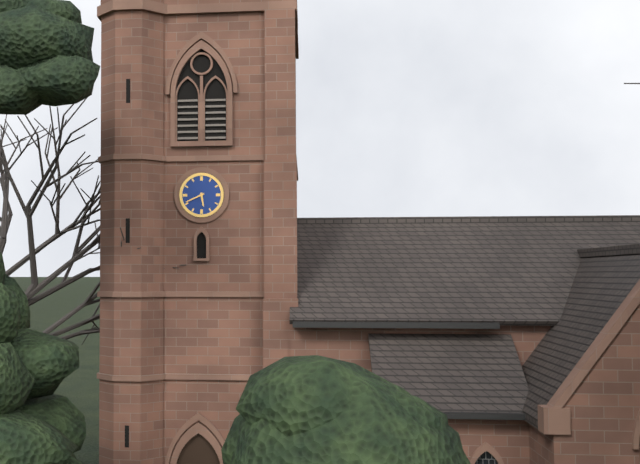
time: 5:41
